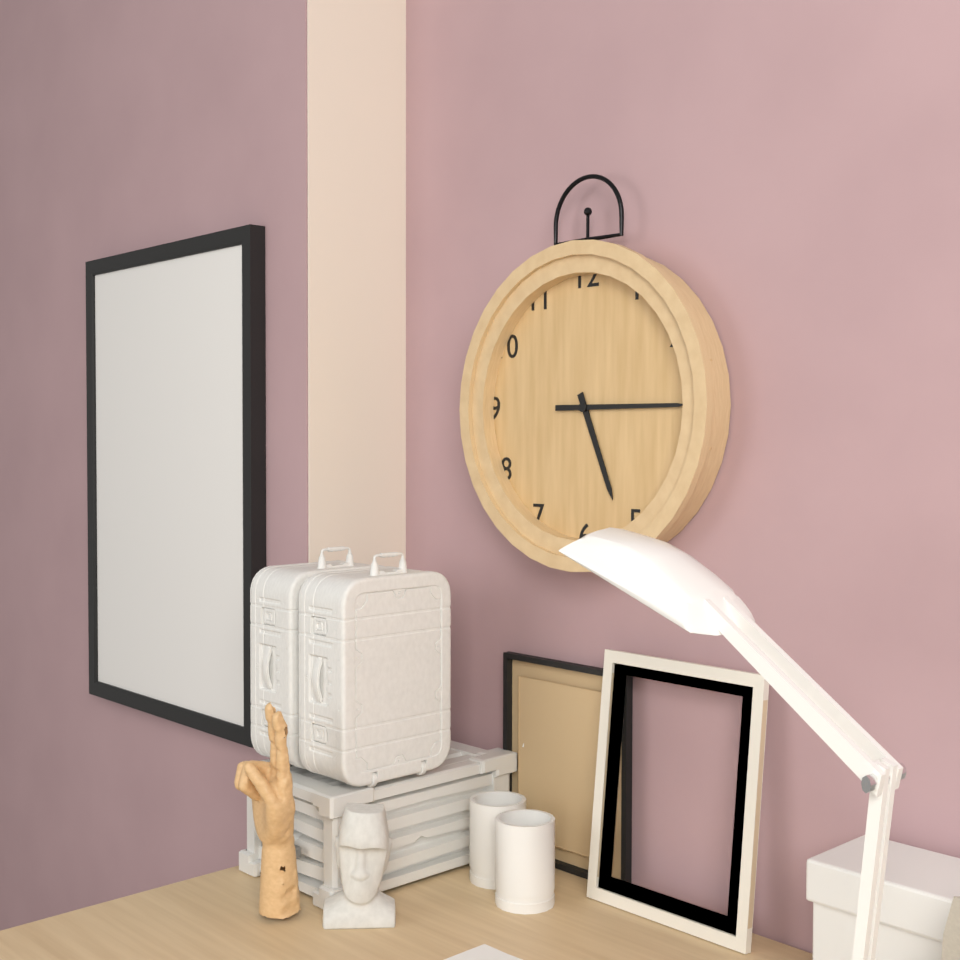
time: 5:15
